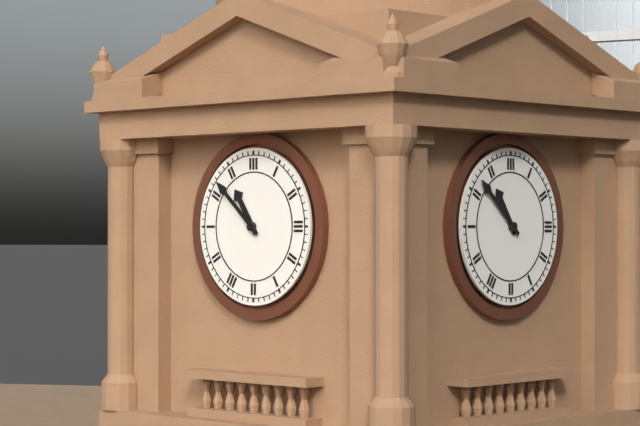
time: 10:52
